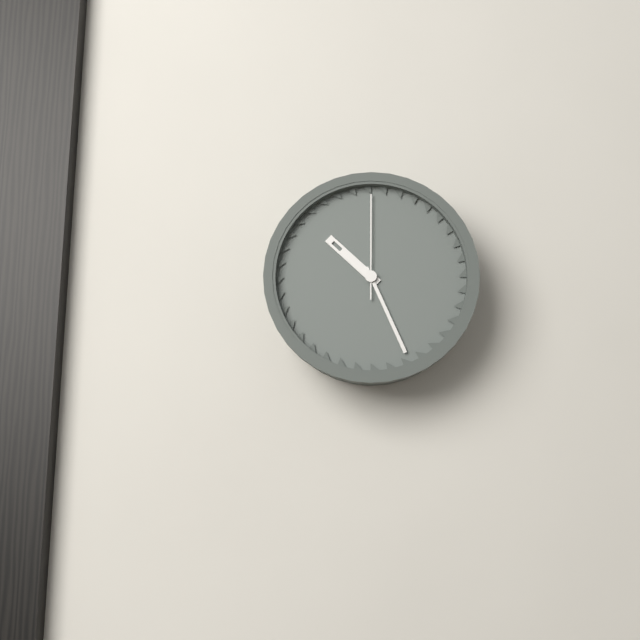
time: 10:26:00
